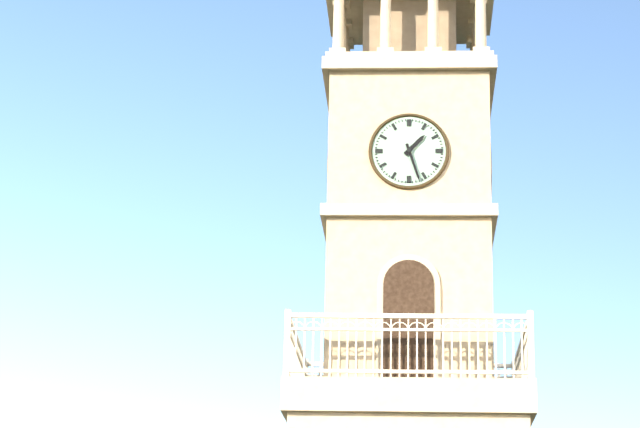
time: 1:27
